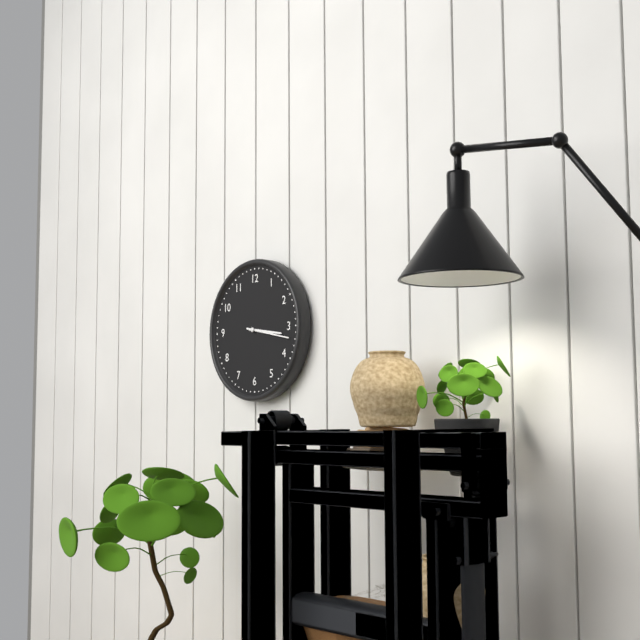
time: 3:17
